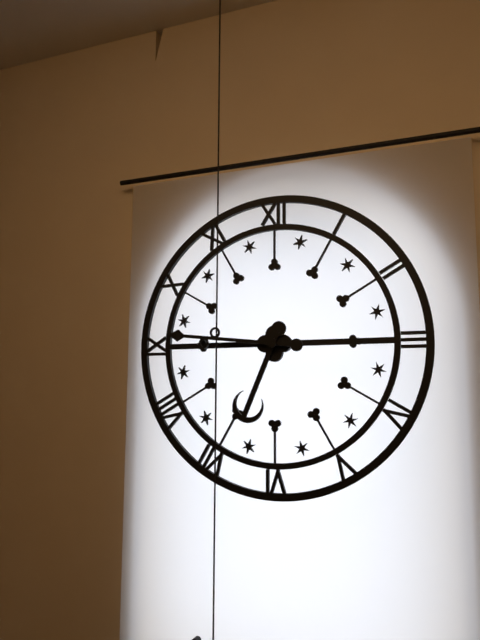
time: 6:46
